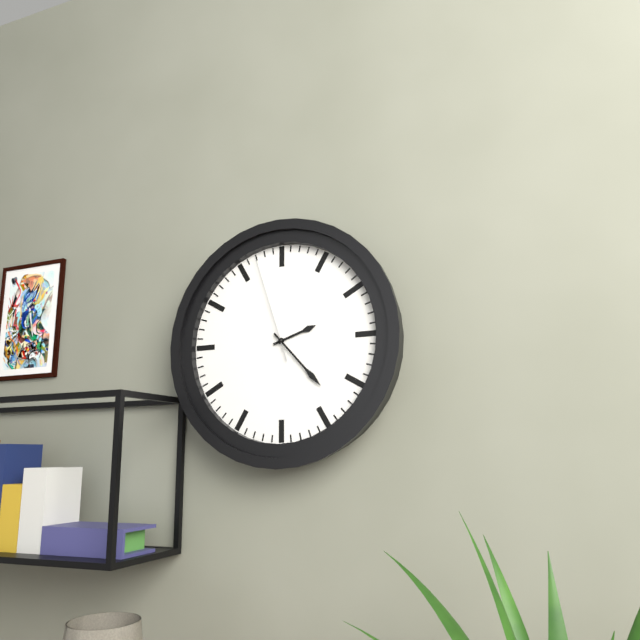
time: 2:23:57
